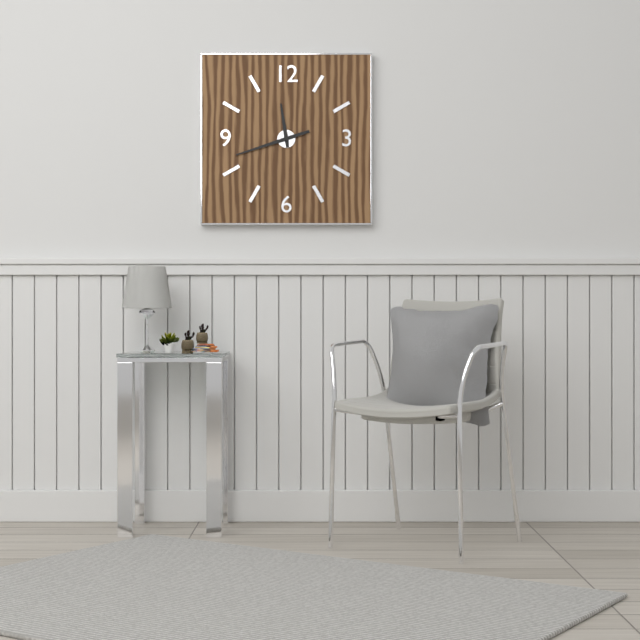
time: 11:42
